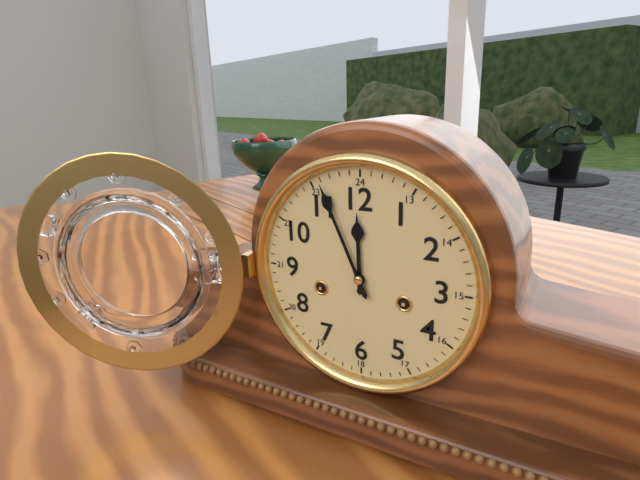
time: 11:56
